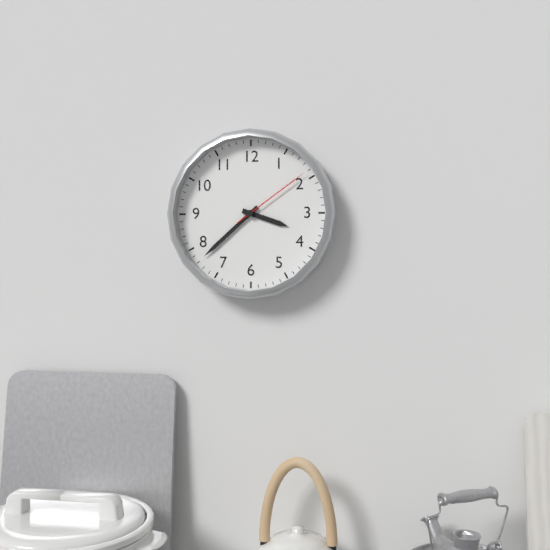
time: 3:38:09
